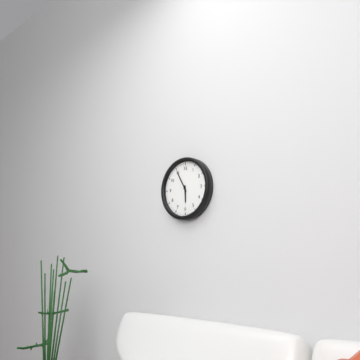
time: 5:55
